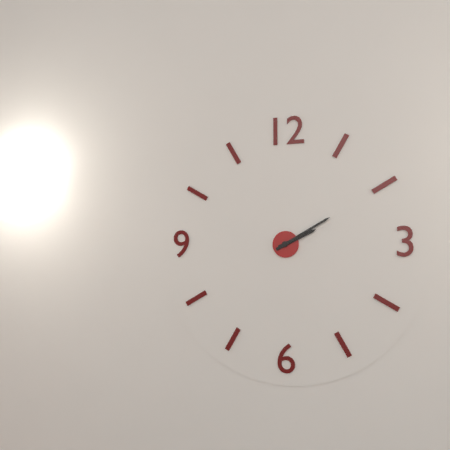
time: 2:10
